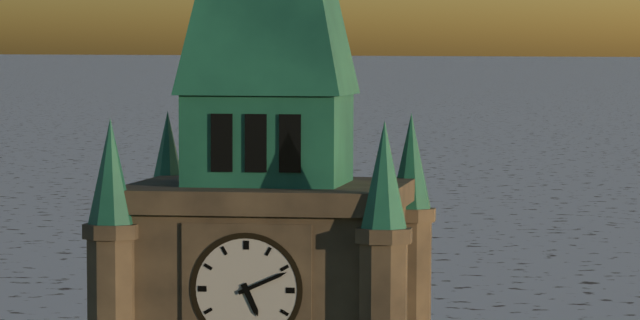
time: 5:11
